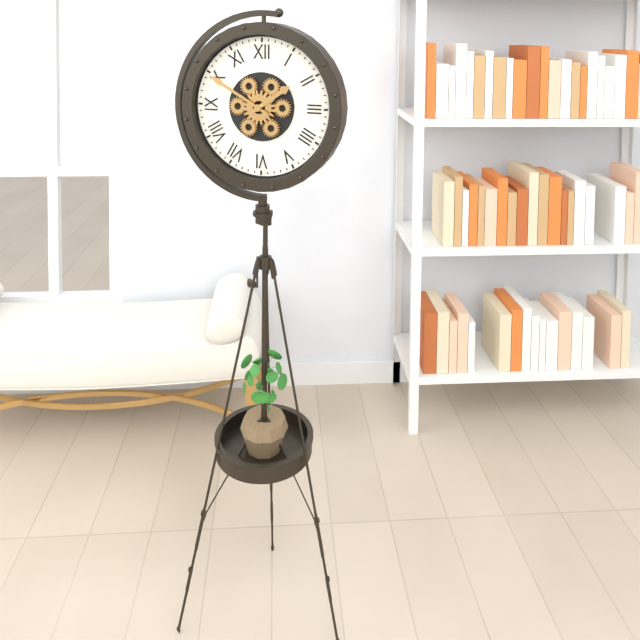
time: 1:50
